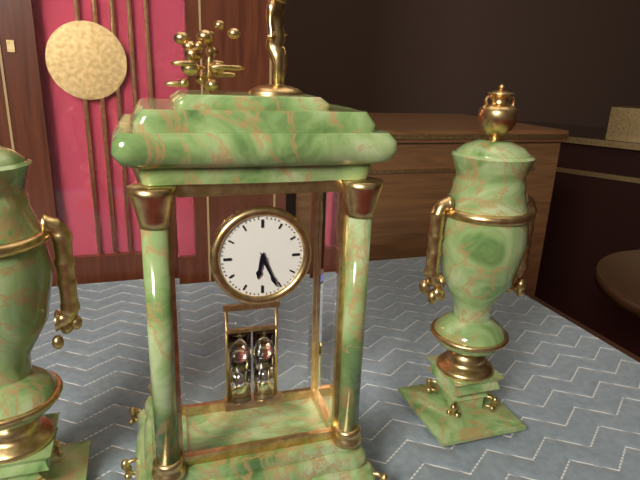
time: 6:26
